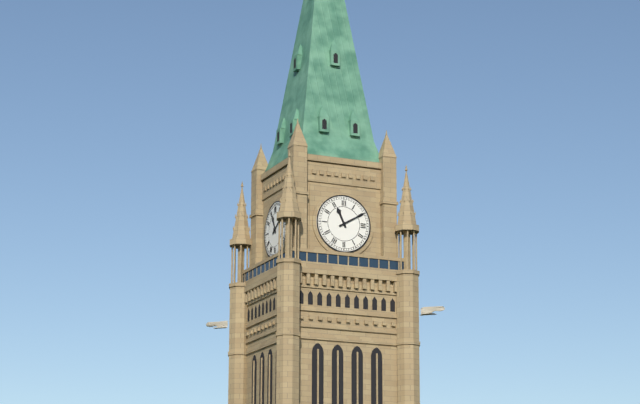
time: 11:10
